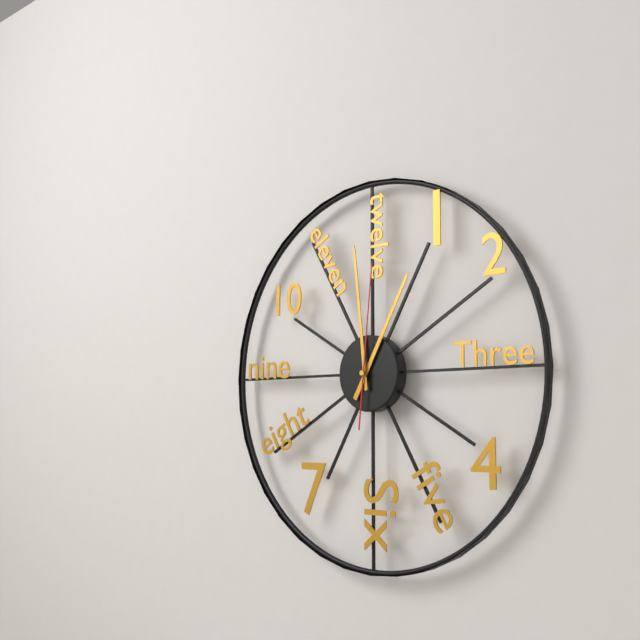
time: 12:59:01
